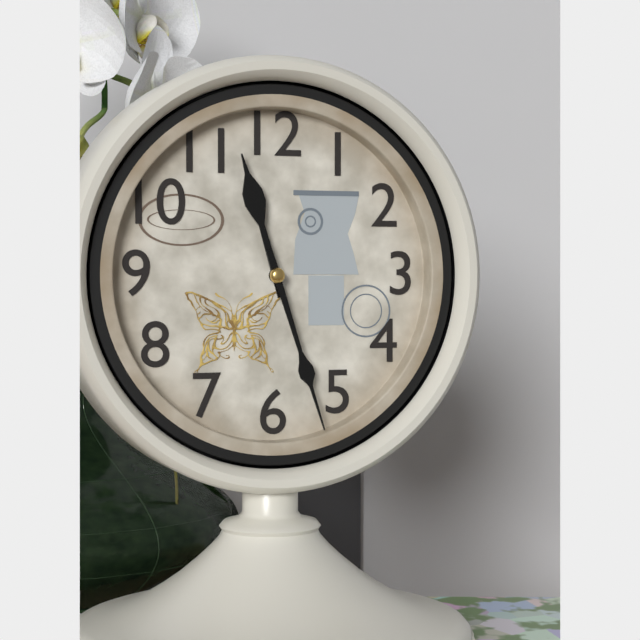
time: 11:27
